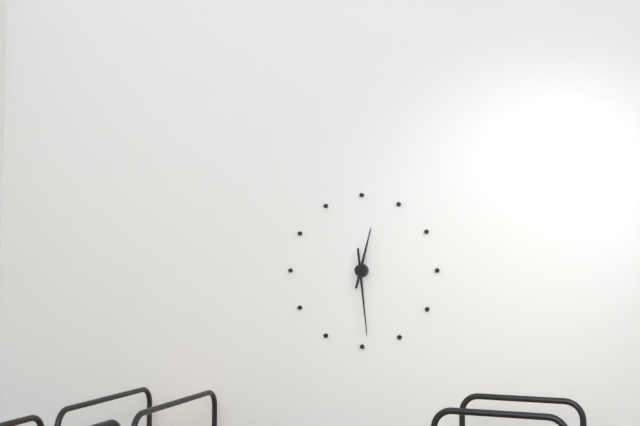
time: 12:29
